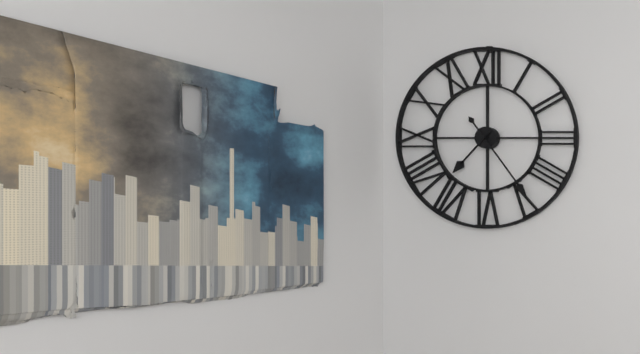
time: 7:24
